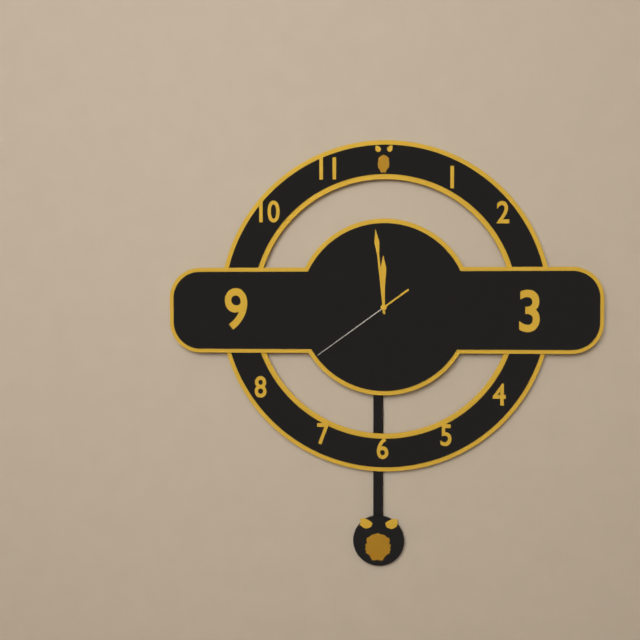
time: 11:59:39
